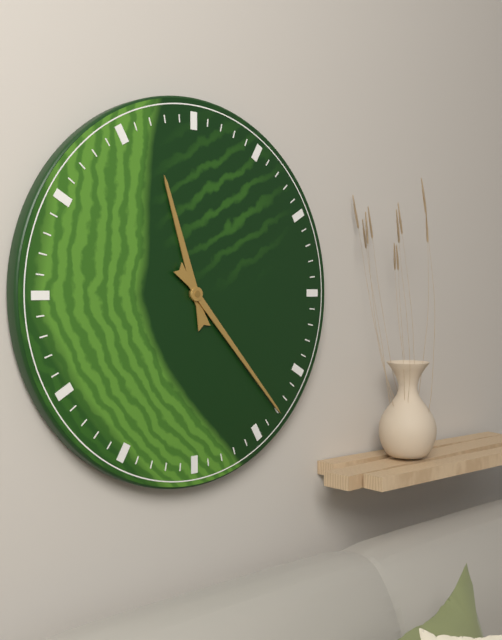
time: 11:23
